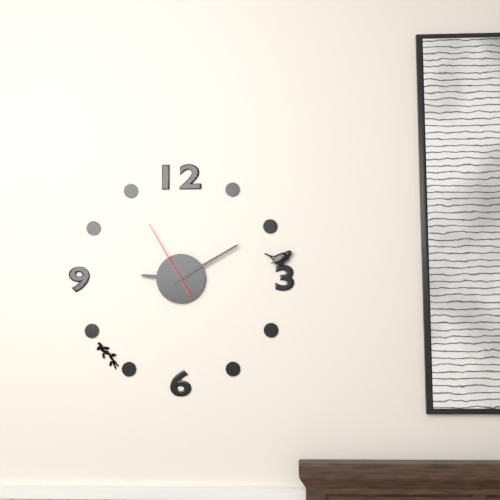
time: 9:10:55
